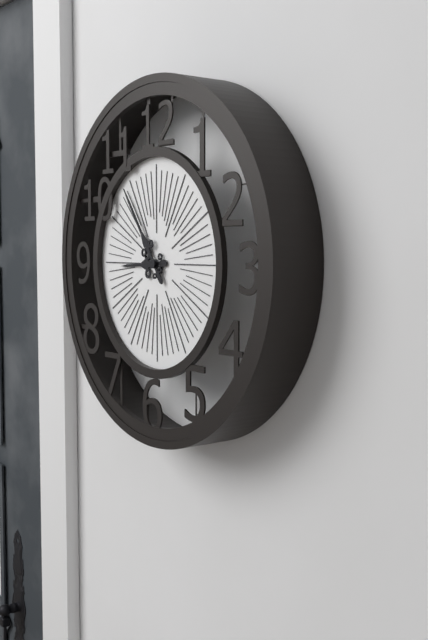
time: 8:54
